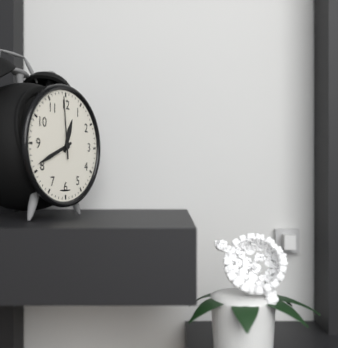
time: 12:41:59
